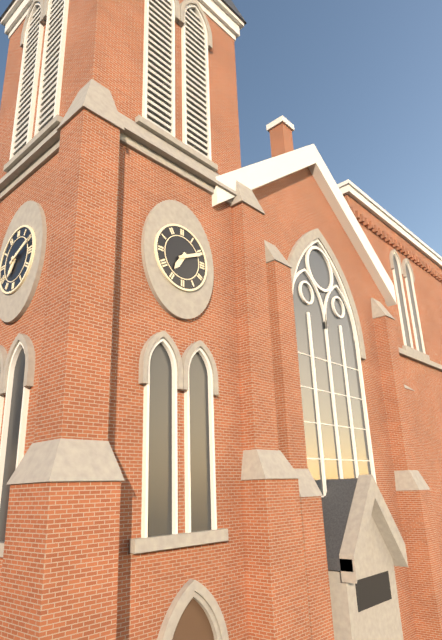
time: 7:11
